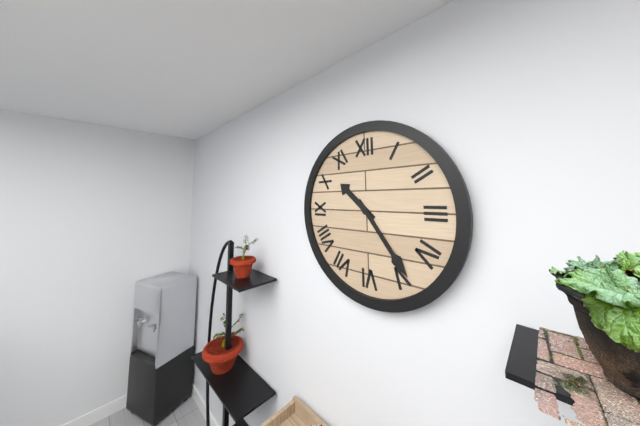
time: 10:24
